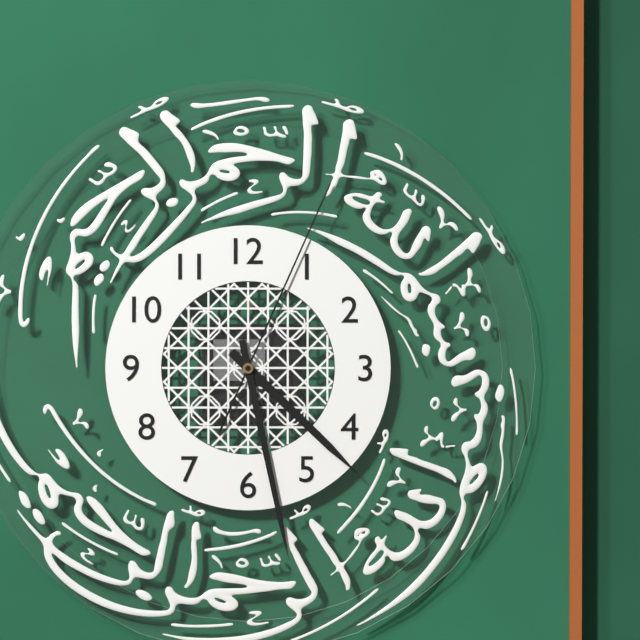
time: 4:28:04
